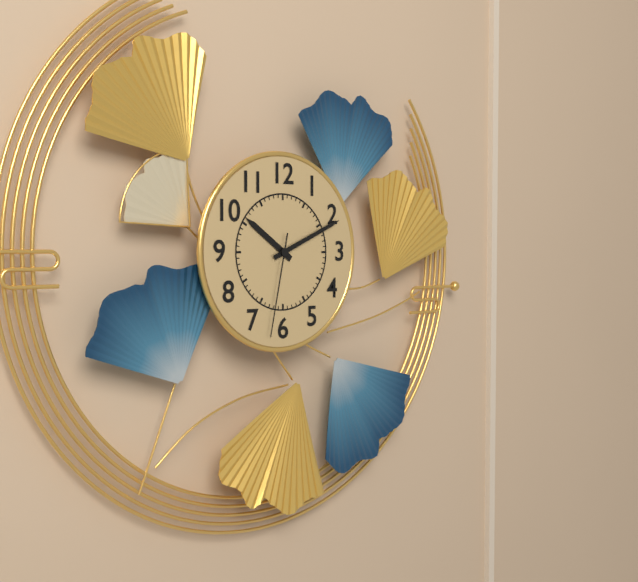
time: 10:11:32
